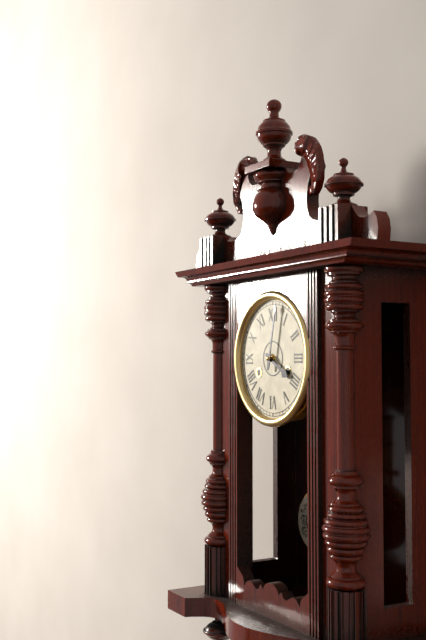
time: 4:02
